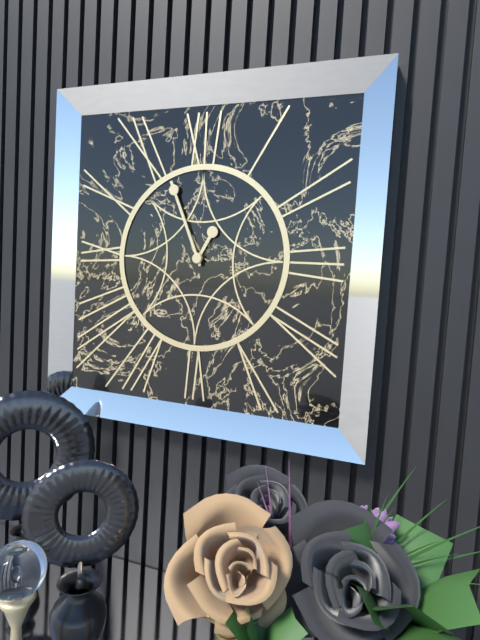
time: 12:56
